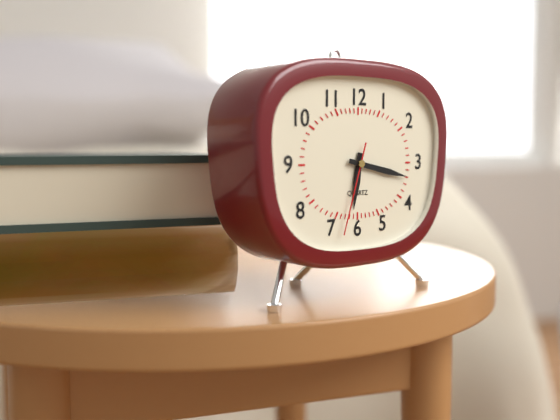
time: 6:17:33
